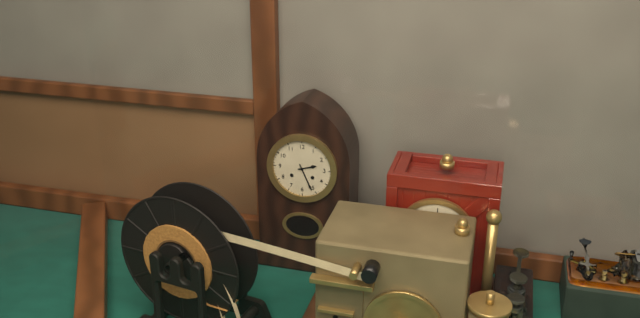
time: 2:26
